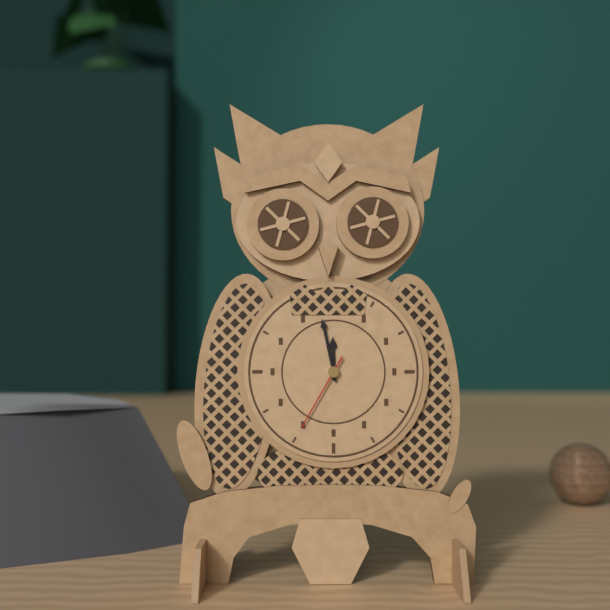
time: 11:58:35
